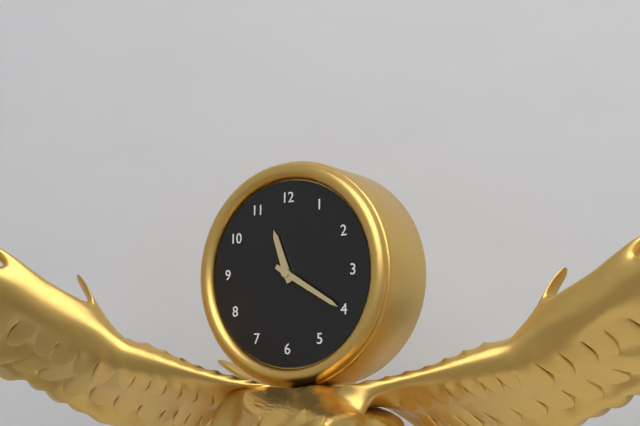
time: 11:20
